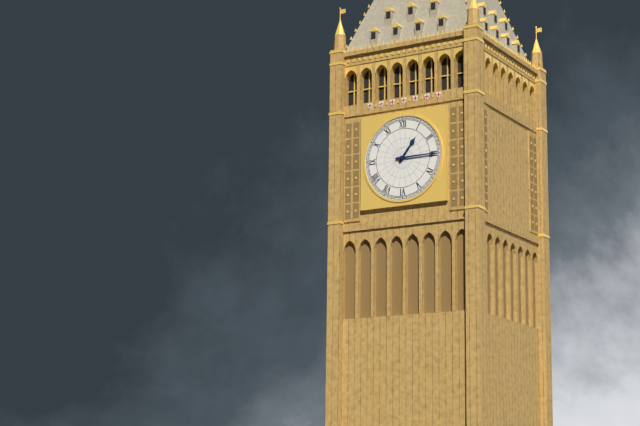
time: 1:15
